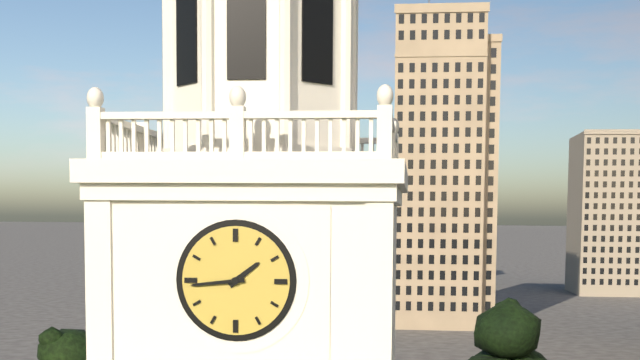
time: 1:44
